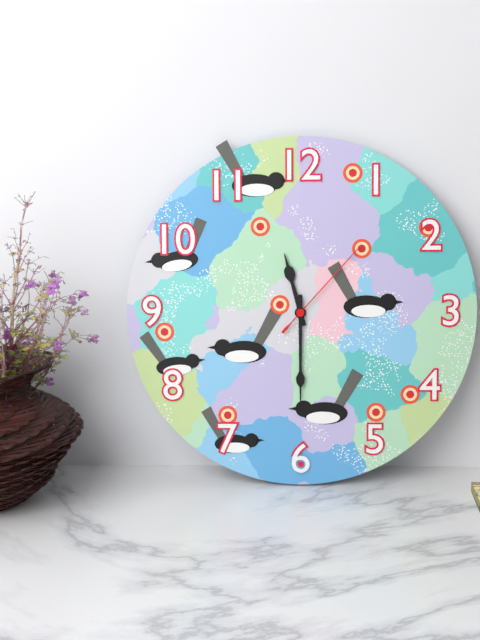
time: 11:30:07
